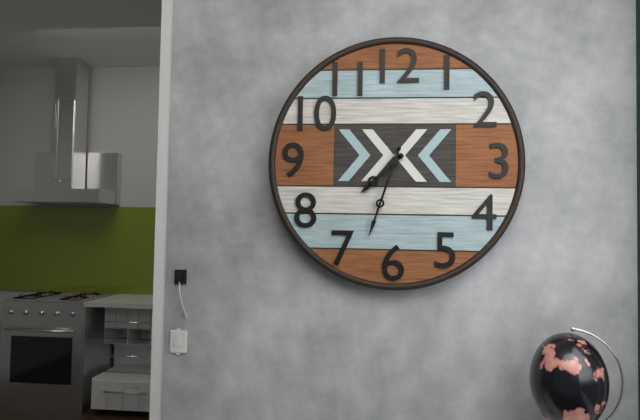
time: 7:33
